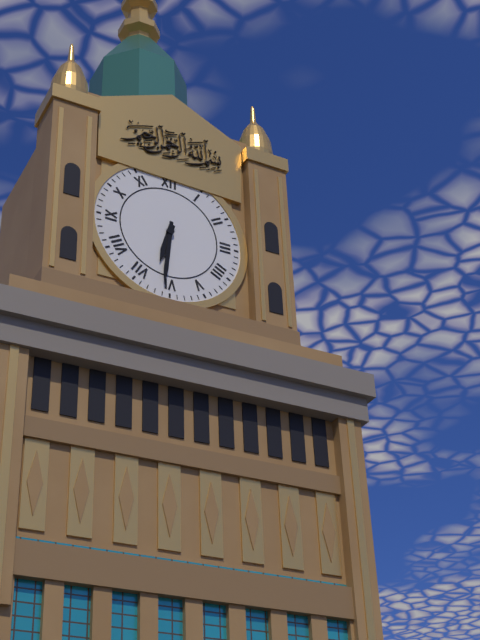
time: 6:31
